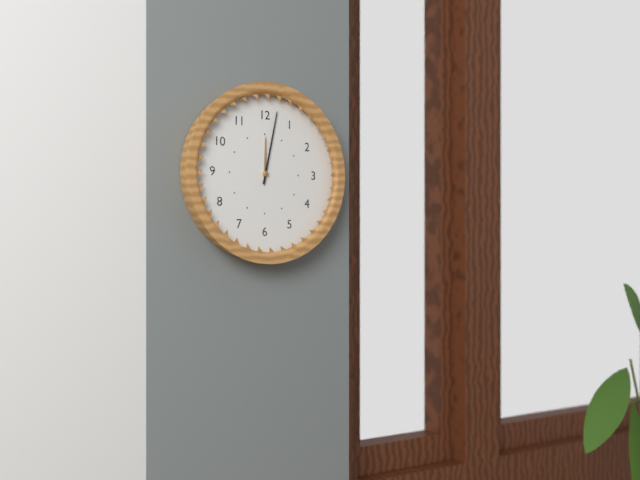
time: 12:02
